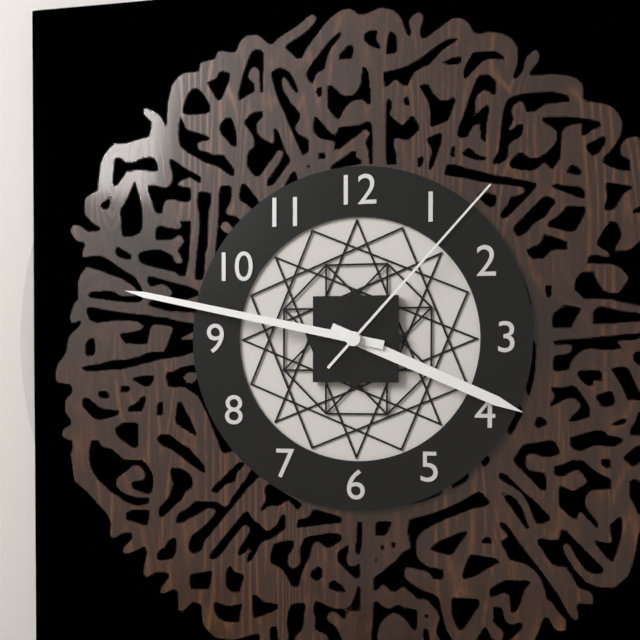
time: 3:47:07
